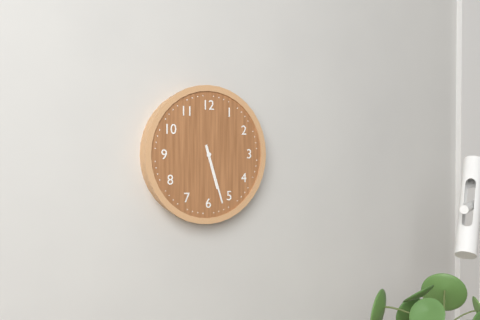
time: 5:27
